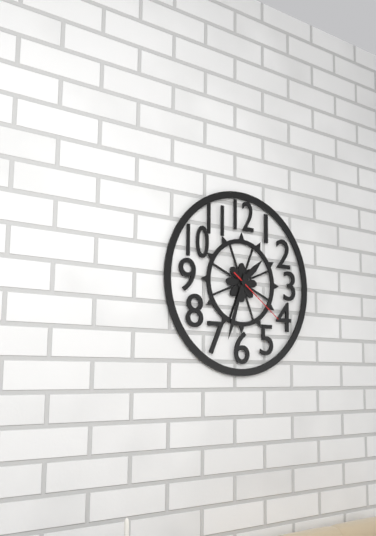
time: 1:33:21
